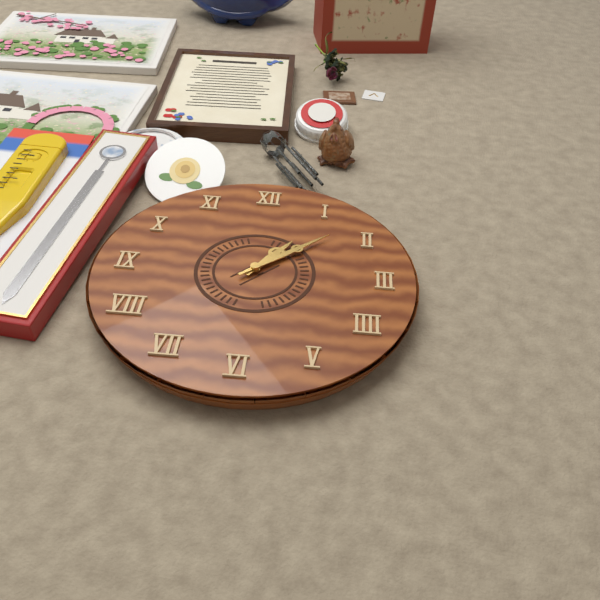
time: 1:08
